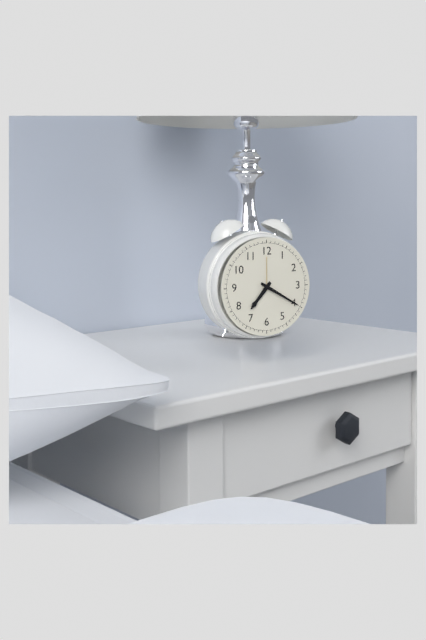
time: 7:20
